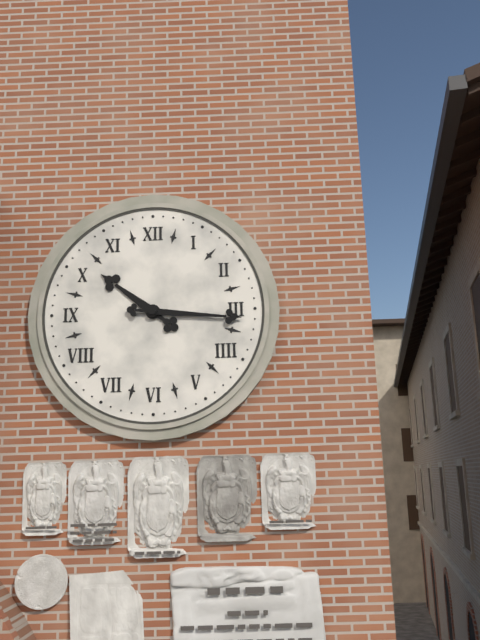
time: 10:16
